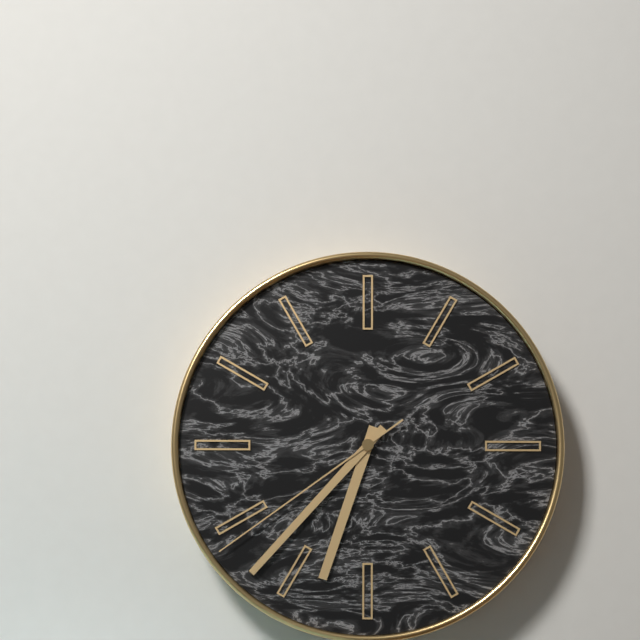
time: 6:37:39
